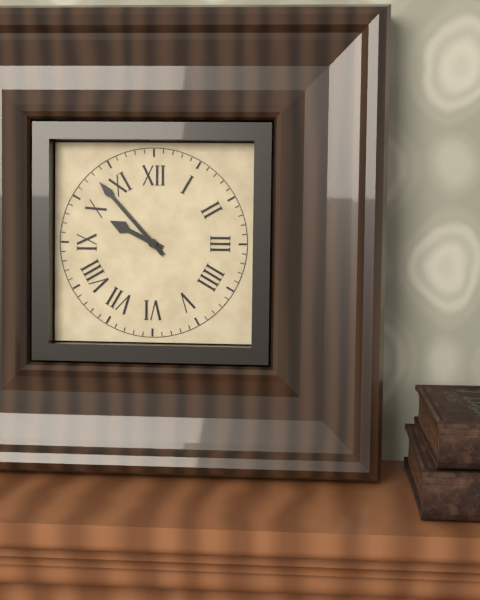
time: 9:53
